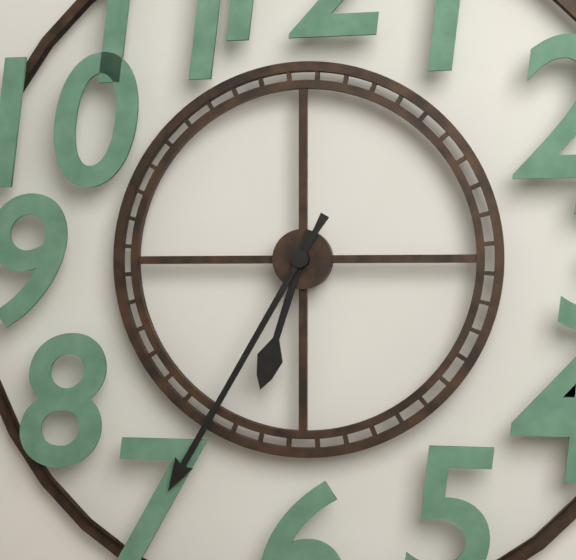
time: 6:35
